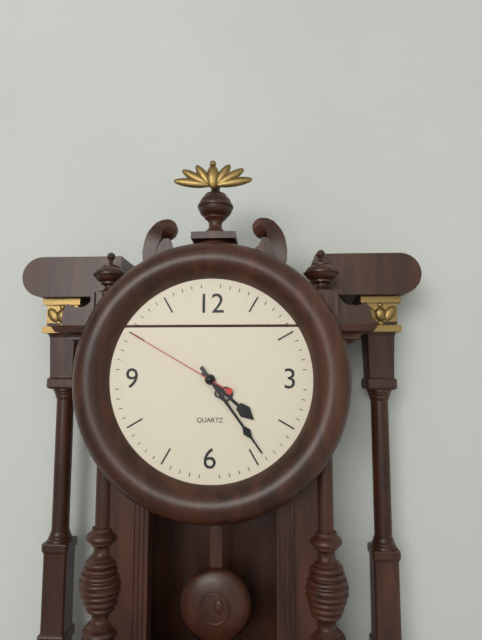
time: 4:24:50
